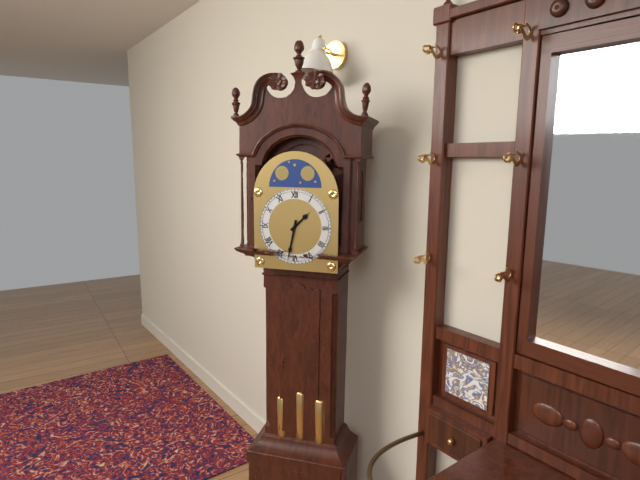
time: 1:32
